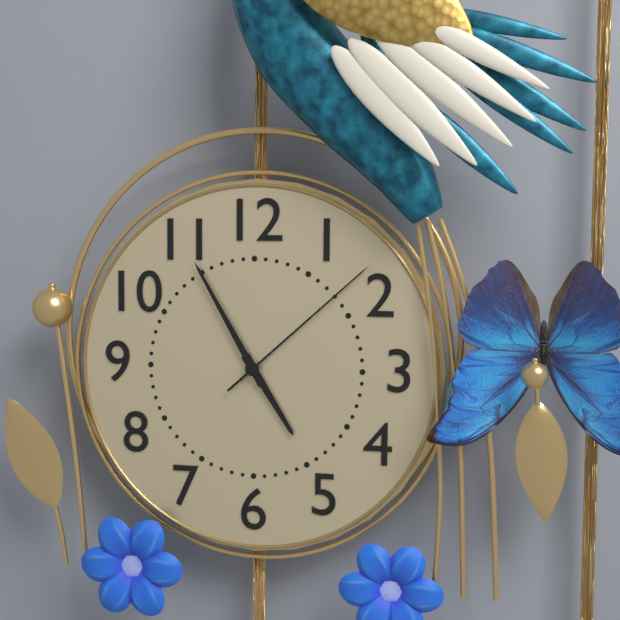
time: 4:55:08
